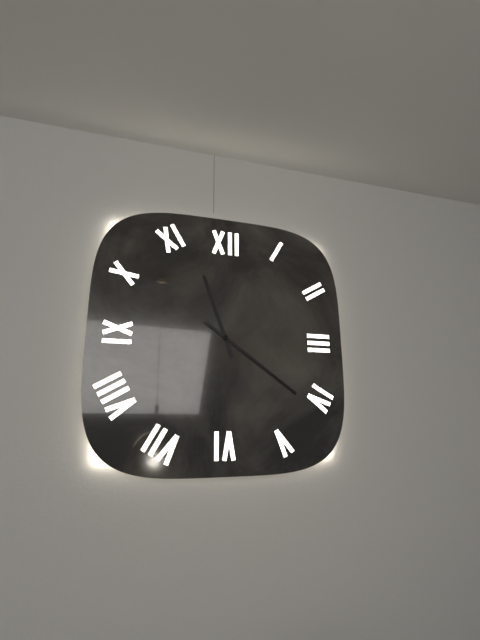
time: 11:21
